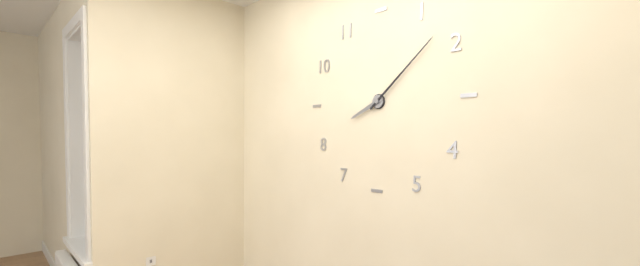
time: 8:08
